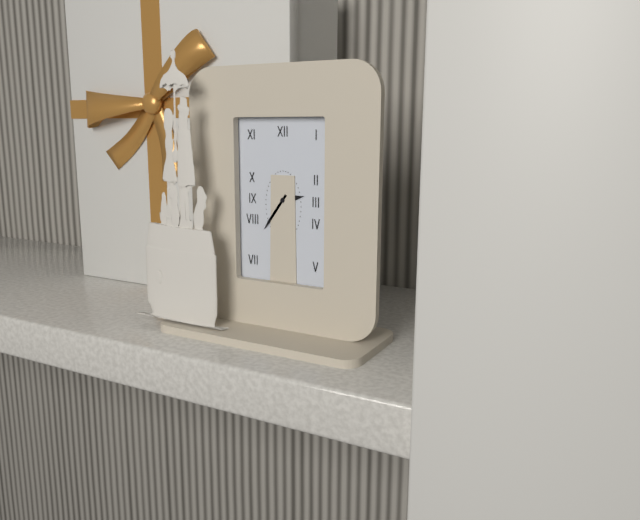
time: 2:36
